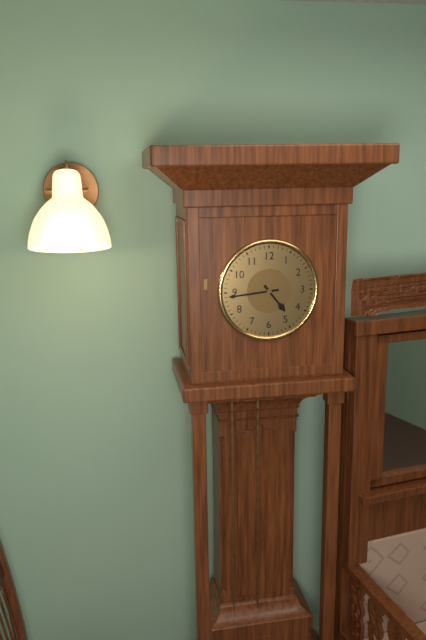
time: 4:44
